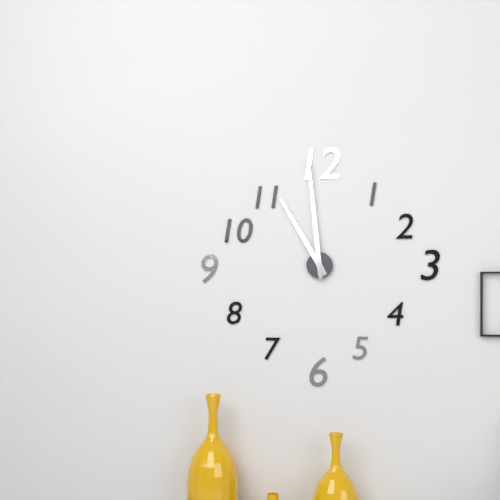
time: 10:59
